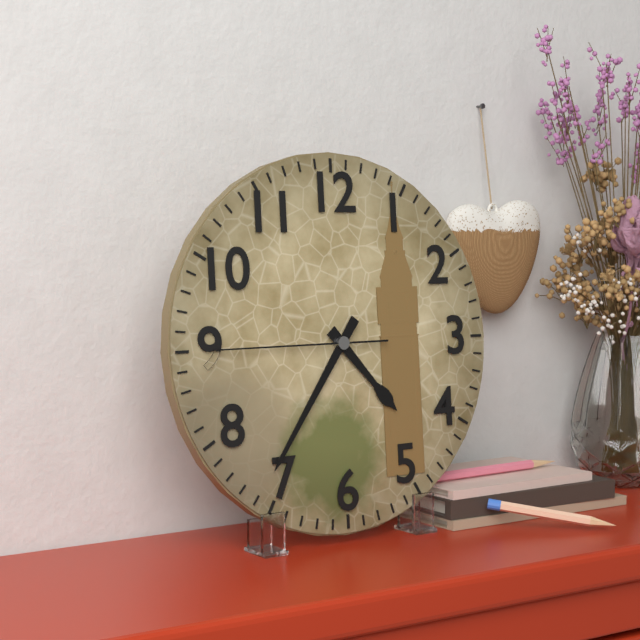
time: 4:36:45
